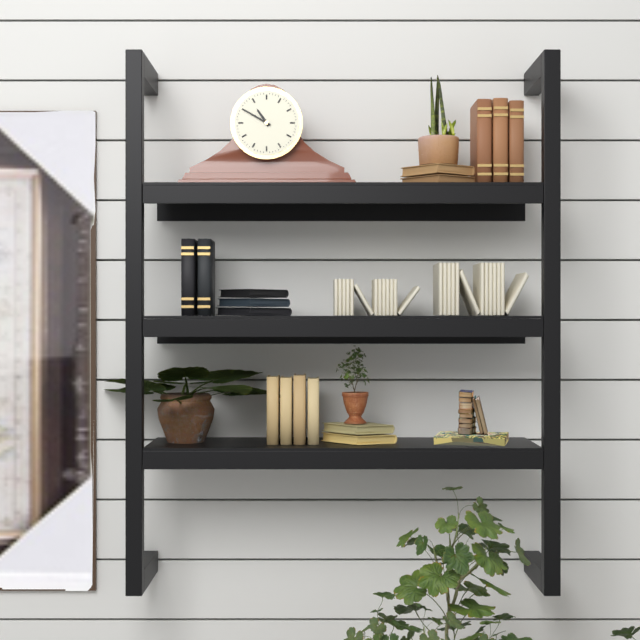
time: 10:50
